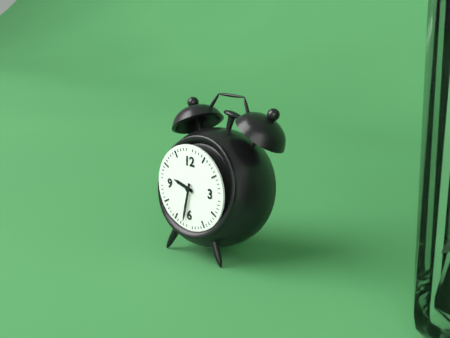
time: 9:32
